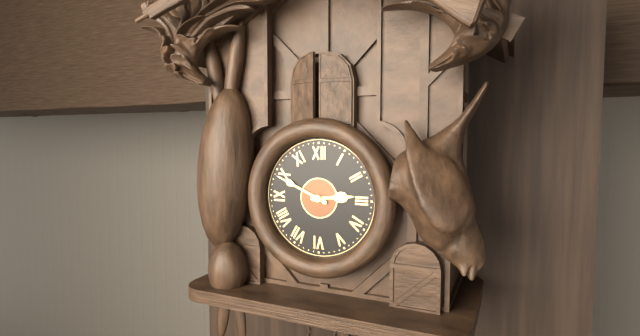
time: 2:49
